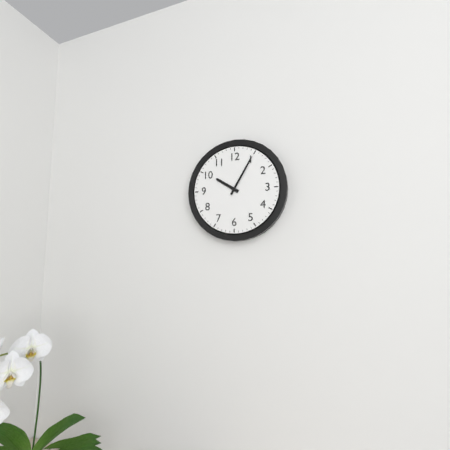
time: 10:05
